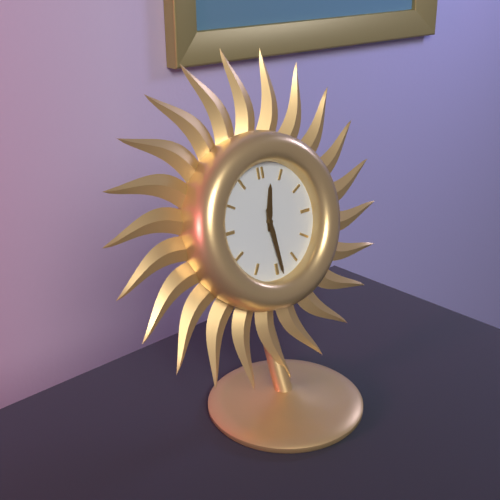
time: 12:29
